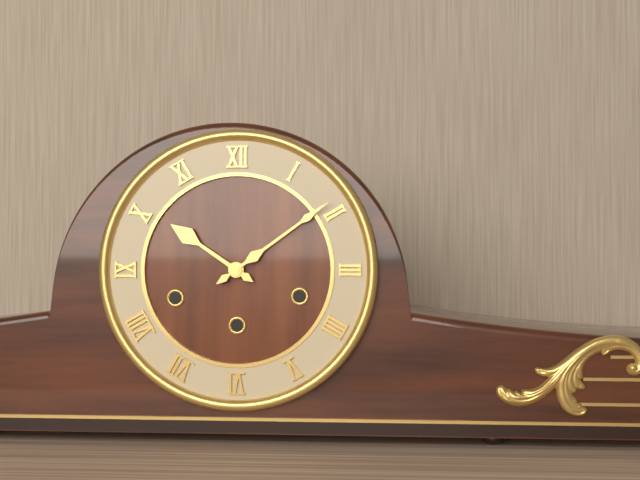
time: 10:09
